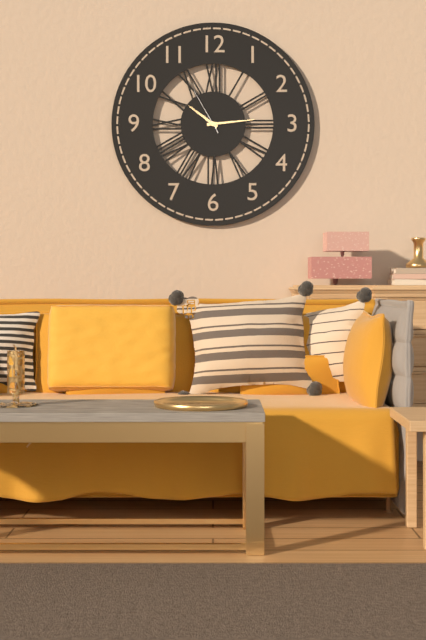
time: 10:14
